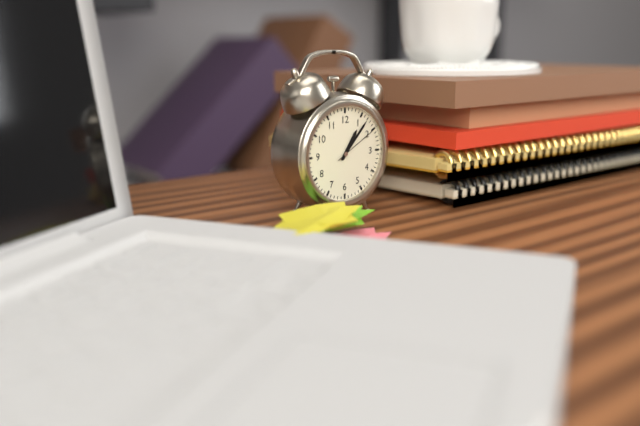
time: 1:07
